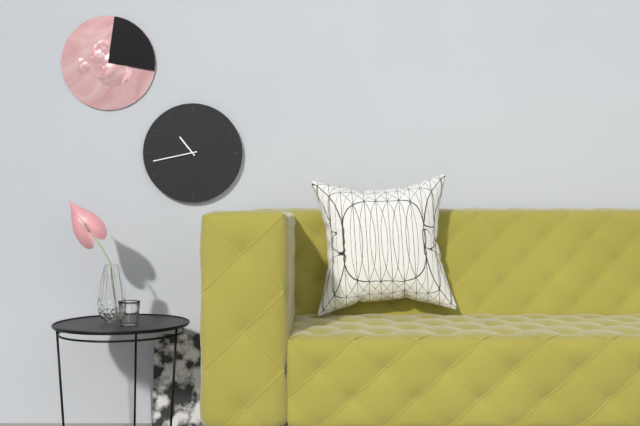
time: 10:43
